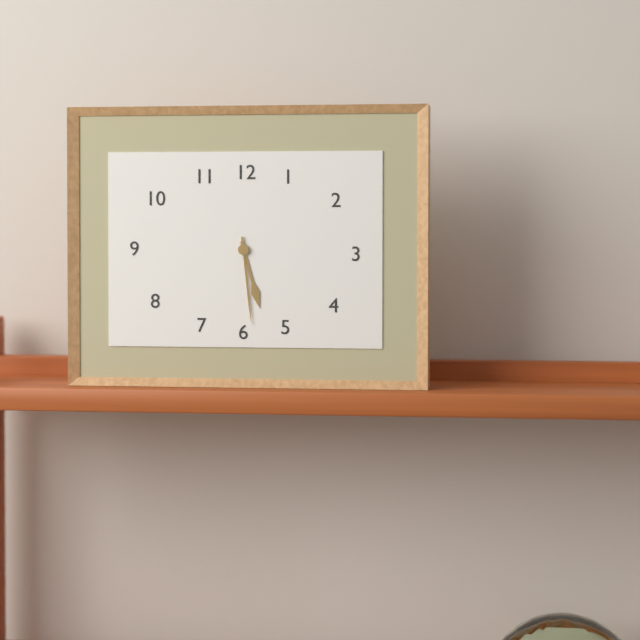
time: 5:29
